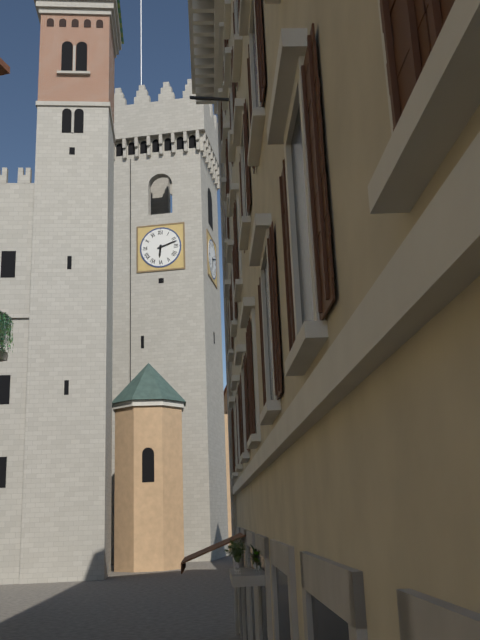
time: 6:12
